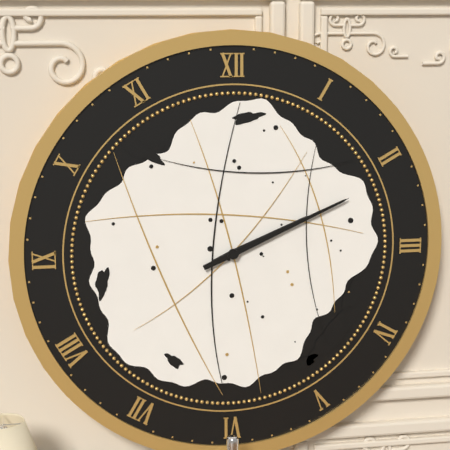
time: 2:11
